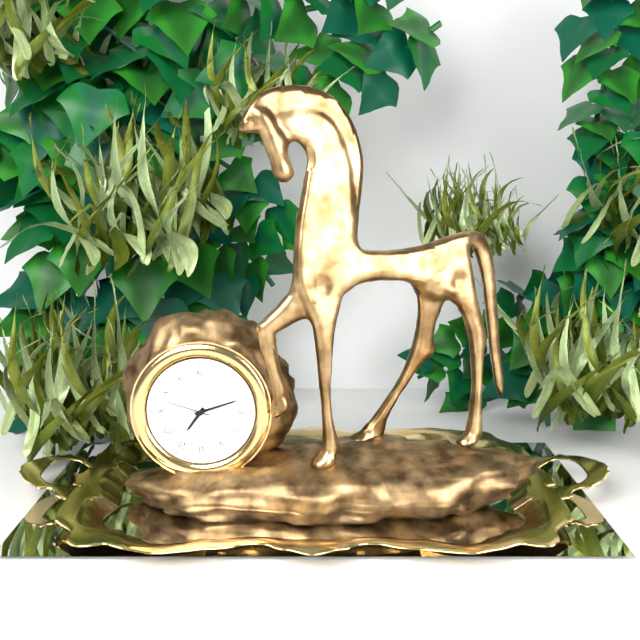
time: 7:12:48
